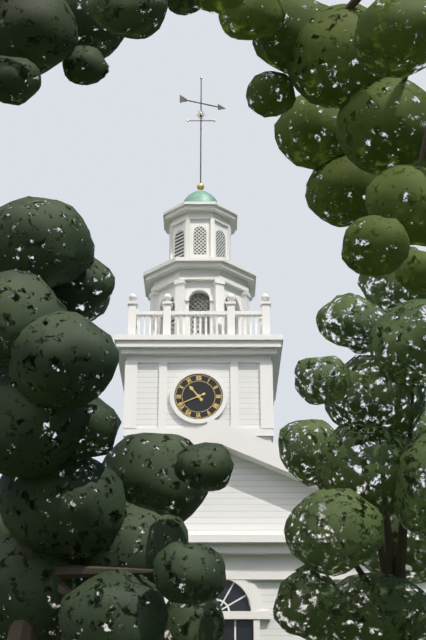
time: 10:41
